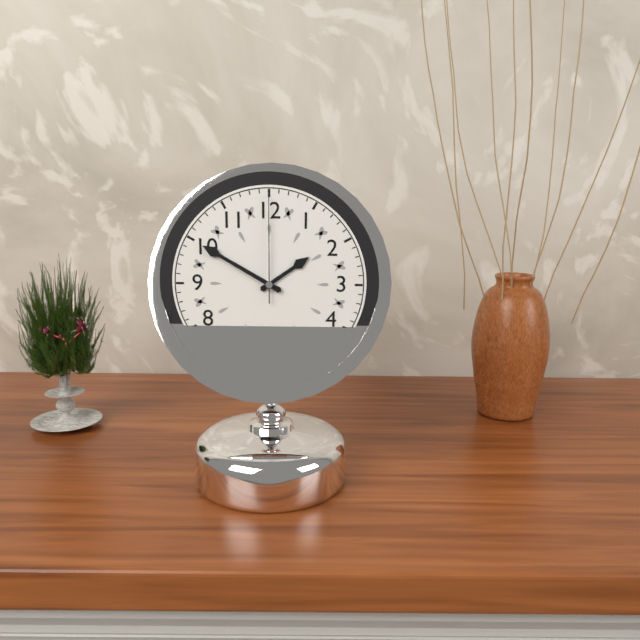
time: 1:50:00
